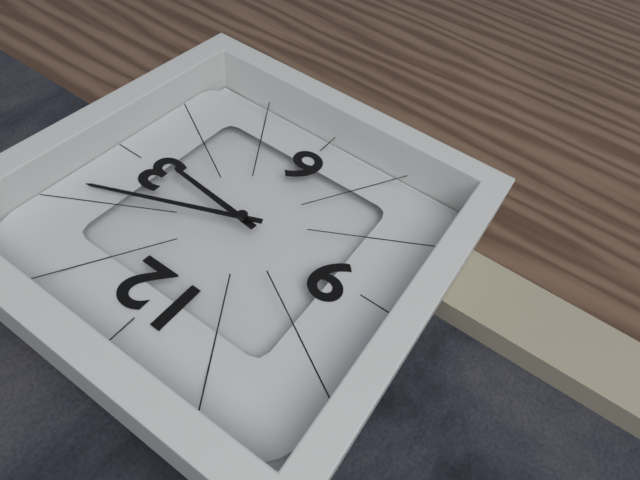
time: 3:11
